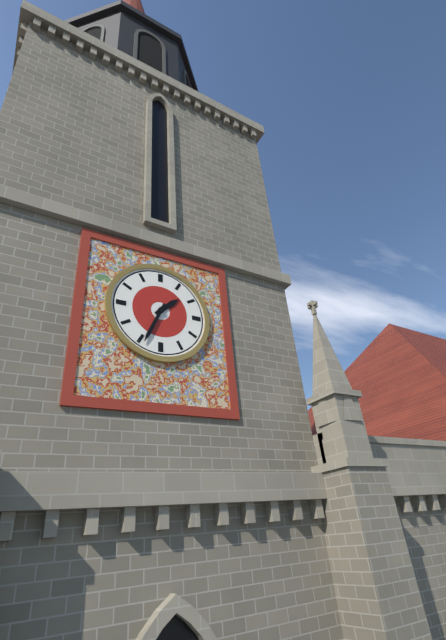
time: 1:34
